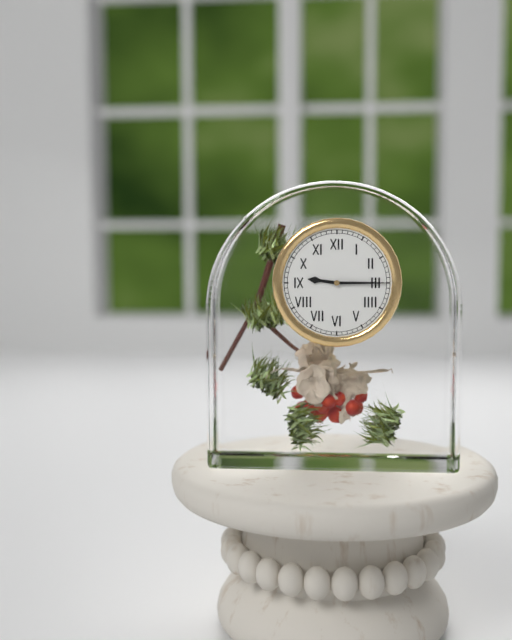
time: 9:15
